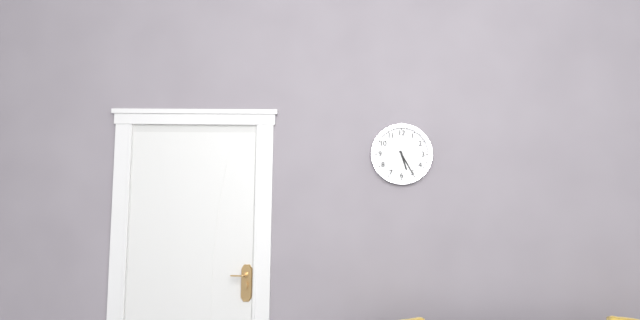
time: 5:25
